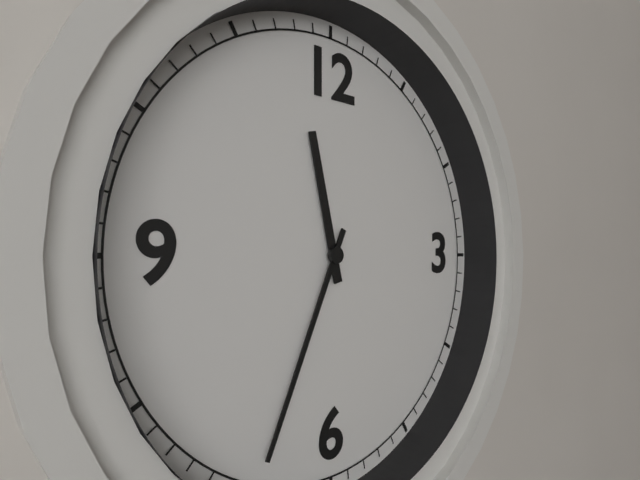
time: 11:34
